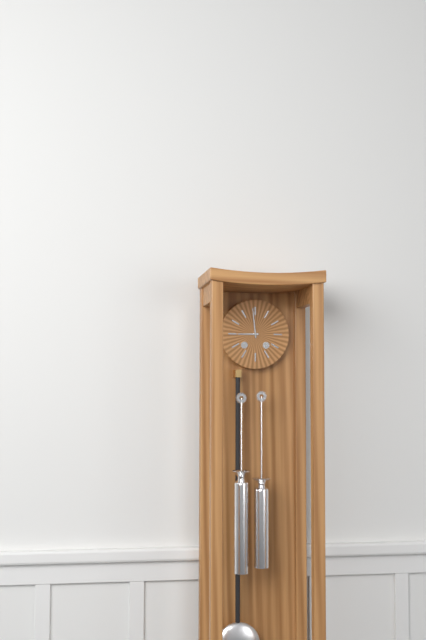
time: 8:59
